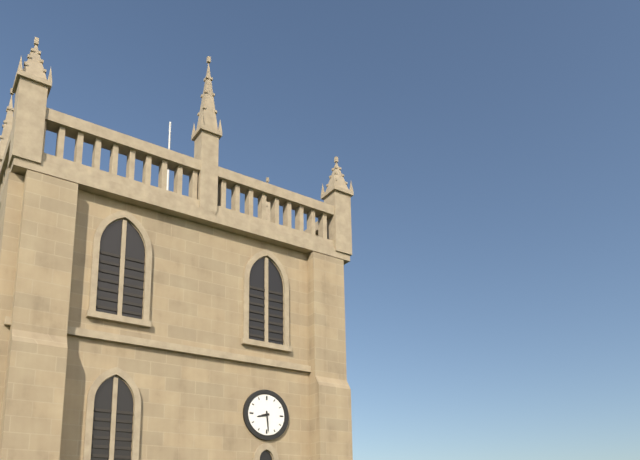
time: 8:29
